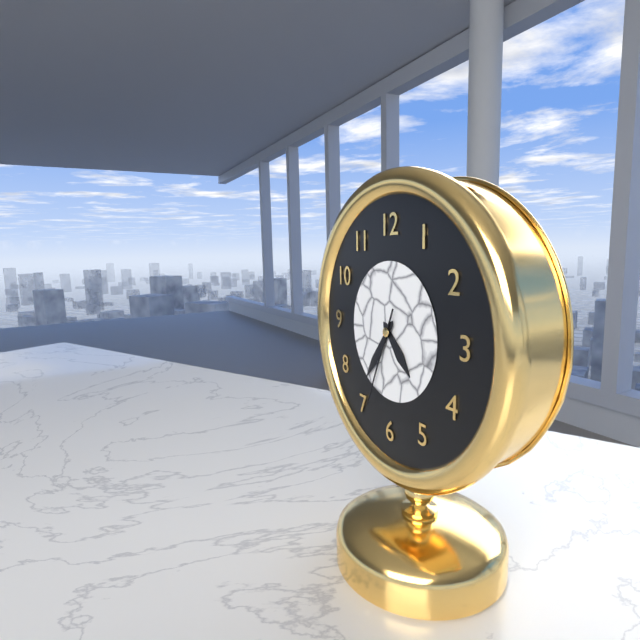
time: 4:36:34
